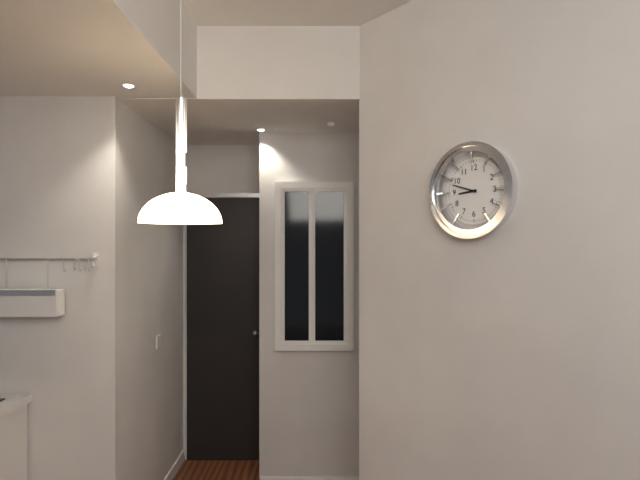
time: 8:48
